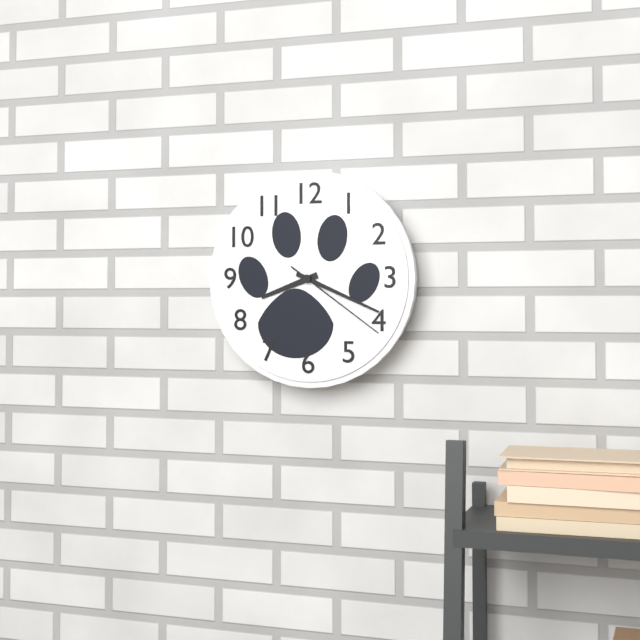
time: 8:19:21
